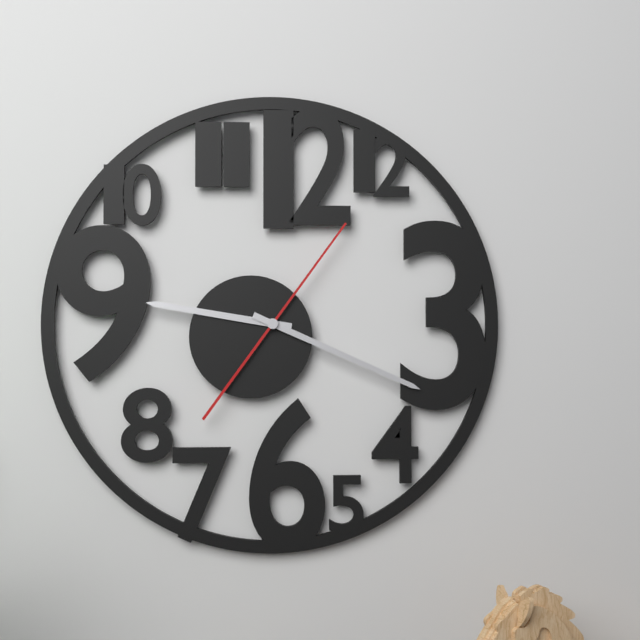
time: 9:19:06
